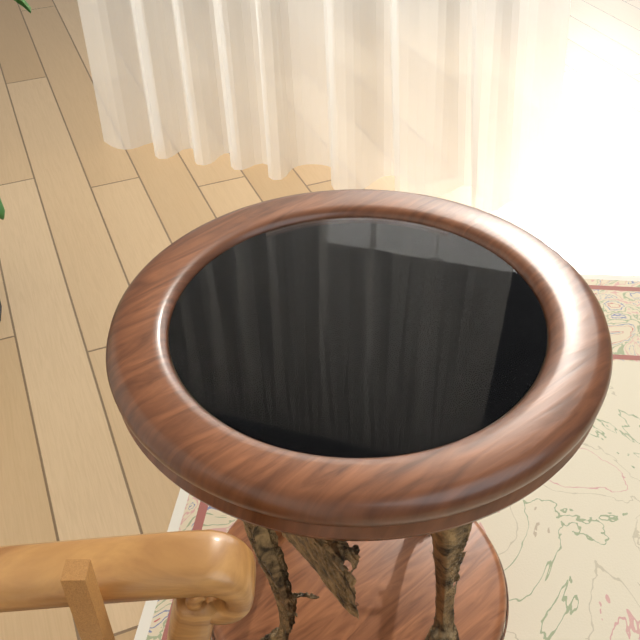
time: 8:55
